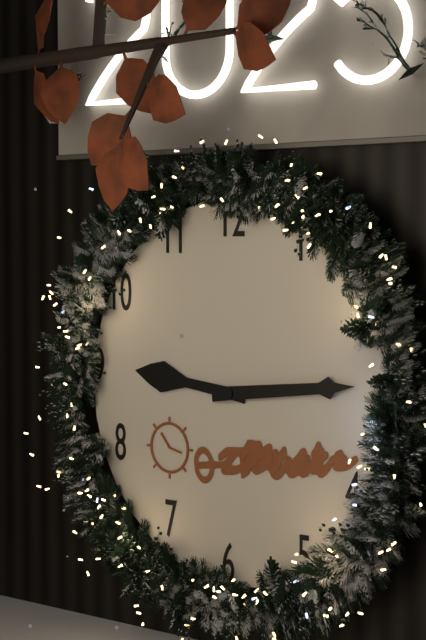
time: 9:14
